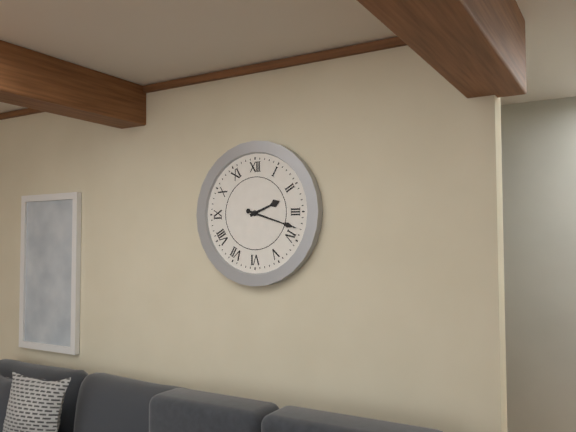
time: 2:18
